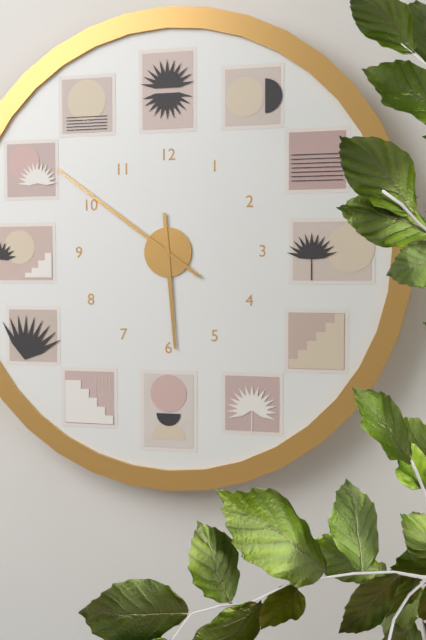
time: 5:51
